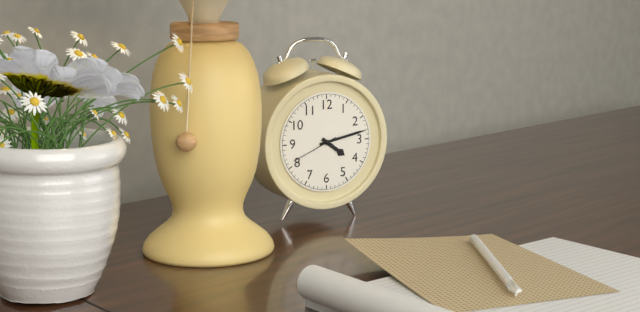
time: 4:13
